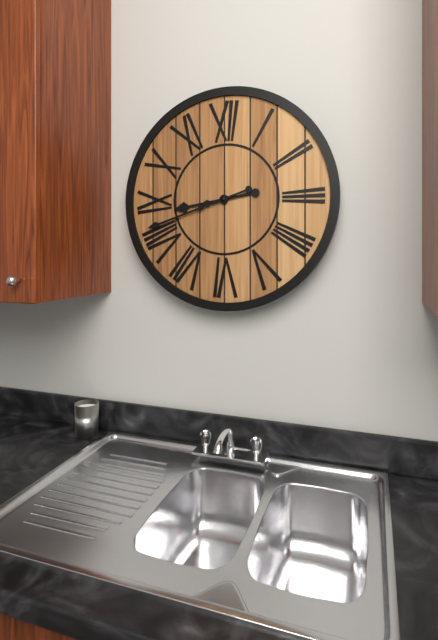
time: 8:42
